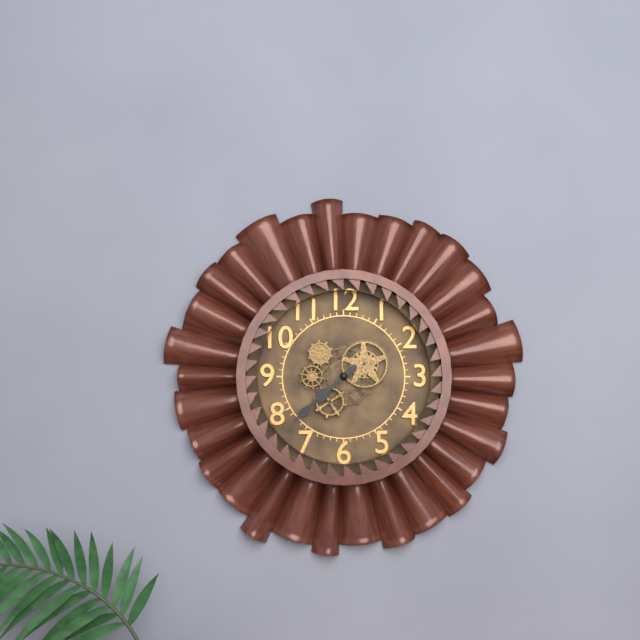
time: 7:38
